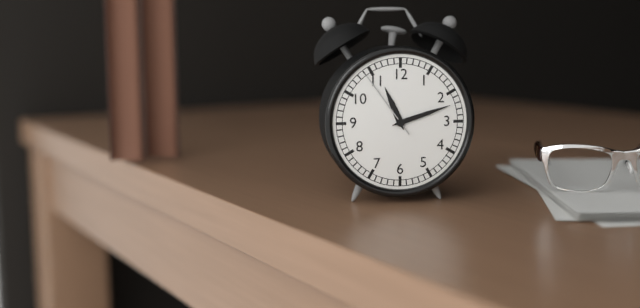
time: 11:12:54
